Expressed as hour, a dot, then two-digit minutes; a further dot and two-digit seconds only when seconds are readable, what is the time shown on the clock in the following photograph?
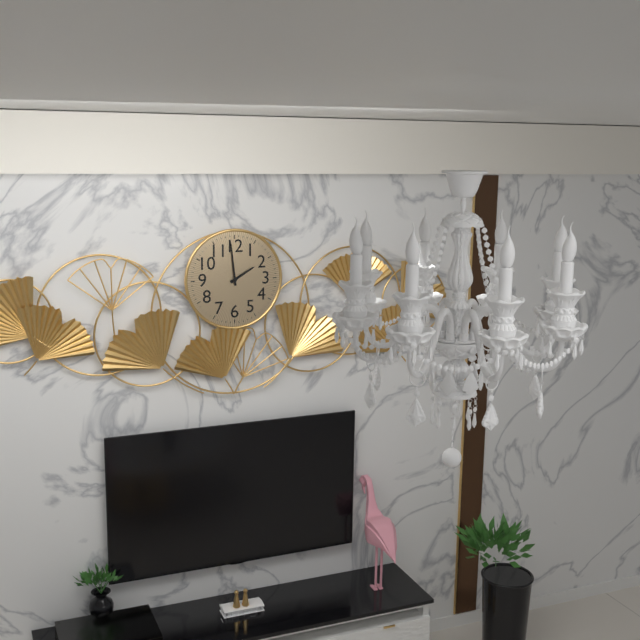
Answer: 1.59
